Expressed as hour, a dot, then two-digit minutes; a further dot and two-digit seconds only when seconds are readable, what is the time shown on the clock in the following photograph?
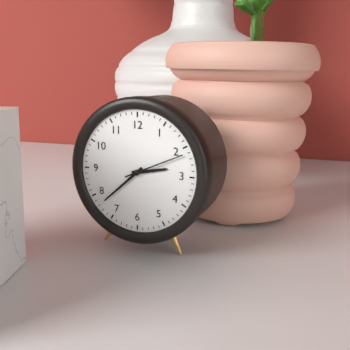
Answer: 2.38.11
